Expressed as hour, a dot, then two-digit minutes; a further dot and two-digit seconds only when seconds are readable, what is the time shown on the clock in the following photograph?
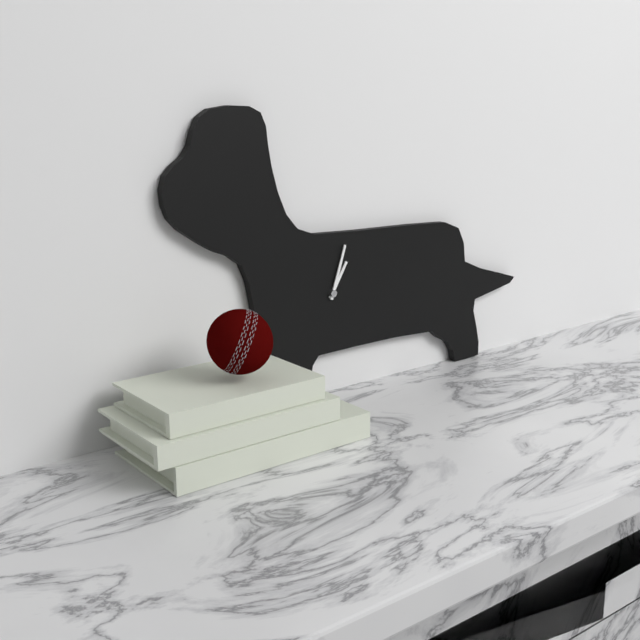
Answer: 1.03
